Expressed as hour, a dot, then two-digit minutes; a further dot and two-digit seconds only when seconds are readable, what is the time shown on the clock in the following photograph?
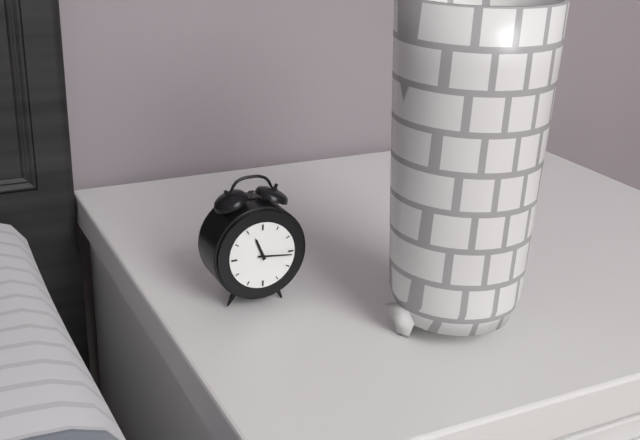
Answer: 11.16
